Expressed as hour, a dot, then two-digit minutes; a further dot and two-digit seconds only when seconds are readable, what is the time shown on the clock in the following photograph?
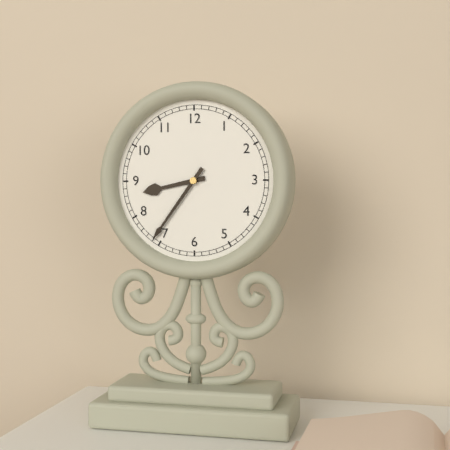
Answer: 8.36
